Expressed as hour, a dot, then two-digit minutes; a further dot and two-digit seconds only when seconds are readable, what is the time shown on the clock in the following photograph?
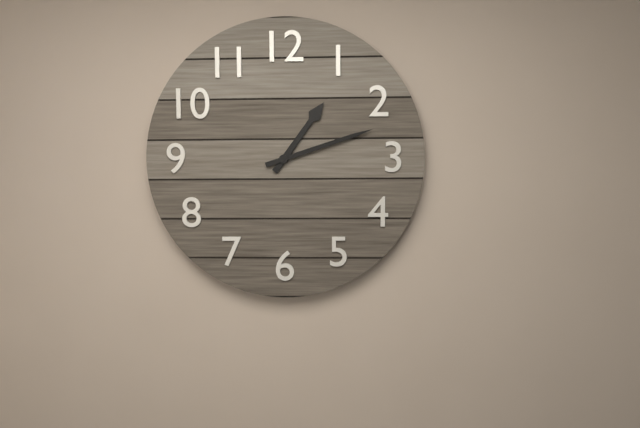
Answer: 1.12
